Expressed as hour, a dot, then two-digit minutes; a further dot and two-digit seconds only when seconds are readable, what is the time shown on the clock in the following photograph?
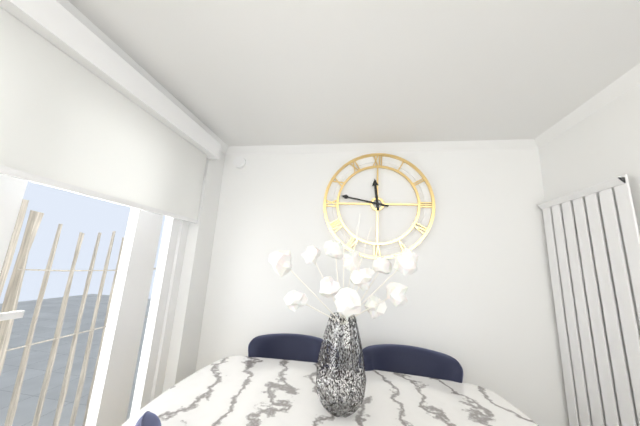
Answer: 11.47
